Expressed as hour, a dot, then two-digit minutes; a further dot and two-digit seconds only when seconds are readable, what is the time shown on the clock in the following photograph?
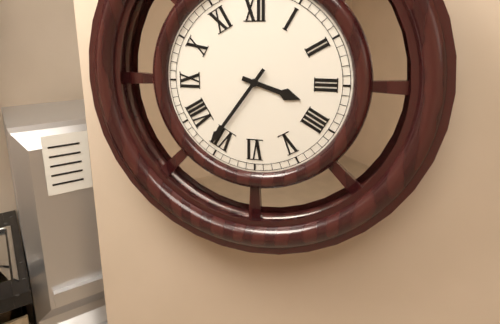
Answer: 3.36
